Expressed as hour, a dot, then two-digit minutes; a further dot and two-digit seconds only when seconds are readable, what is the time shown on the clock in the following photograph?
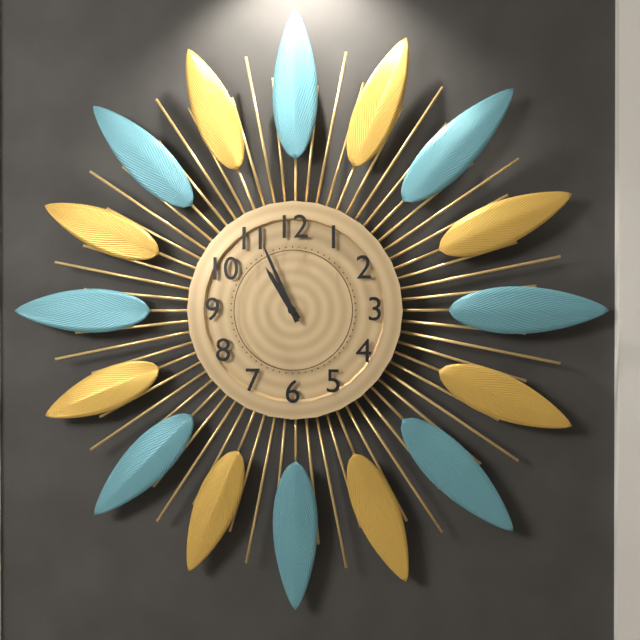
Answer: 10.56
